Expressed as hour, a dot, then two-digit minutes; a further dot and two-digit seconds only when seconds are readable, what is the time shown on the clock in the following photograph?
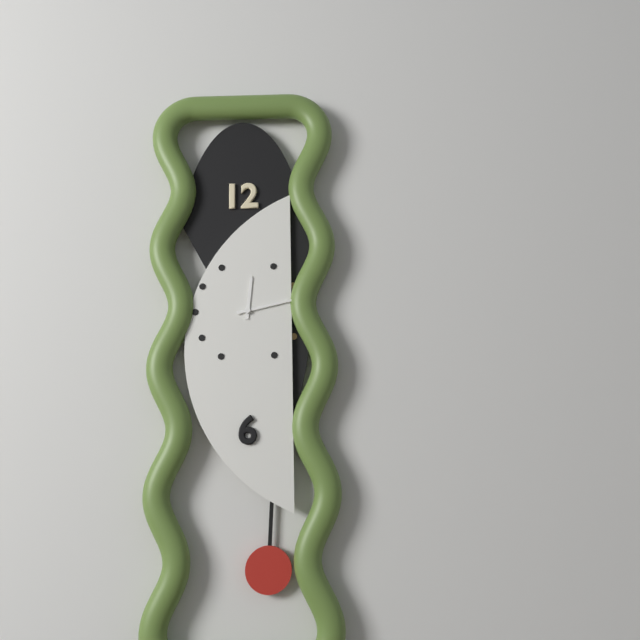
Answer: 12.13
